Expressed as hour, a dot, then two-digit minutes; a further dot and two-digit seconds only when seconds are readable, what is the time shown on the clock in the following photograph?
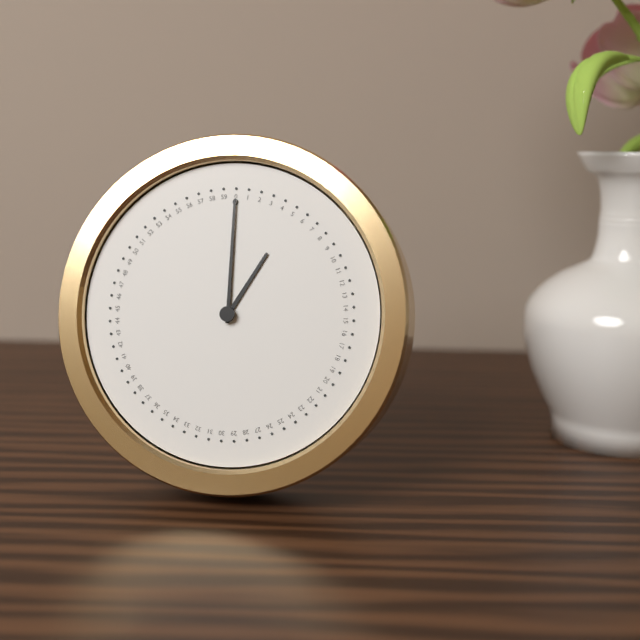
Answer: 1.00
